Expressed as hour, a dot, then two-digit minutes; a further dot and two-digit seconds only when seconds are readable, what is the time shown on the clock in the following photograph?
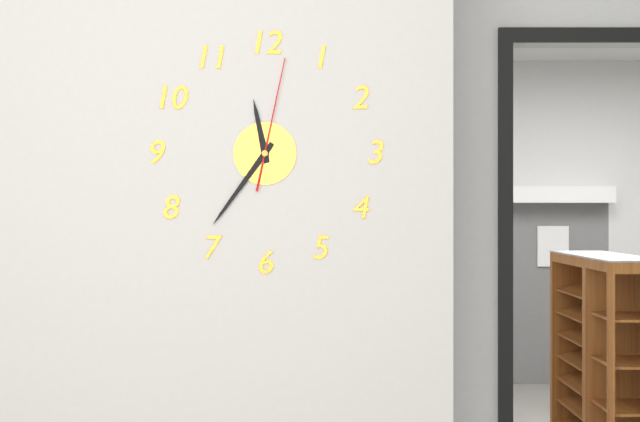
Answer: 11.36.02
